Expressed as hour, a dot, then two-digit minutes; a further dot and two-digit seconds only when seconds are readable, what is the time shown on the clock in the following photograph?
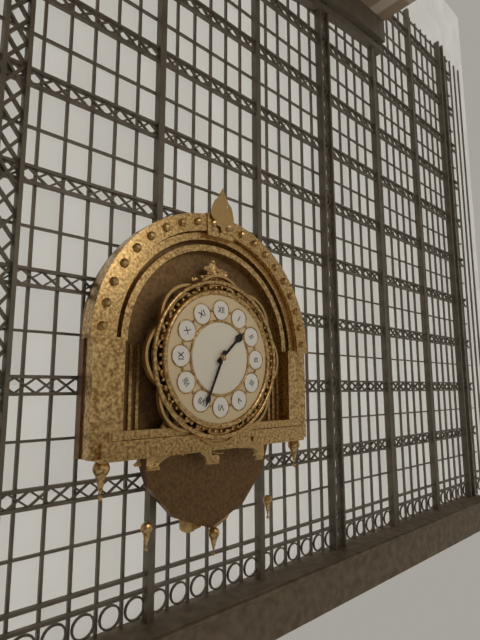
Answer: 1.34
